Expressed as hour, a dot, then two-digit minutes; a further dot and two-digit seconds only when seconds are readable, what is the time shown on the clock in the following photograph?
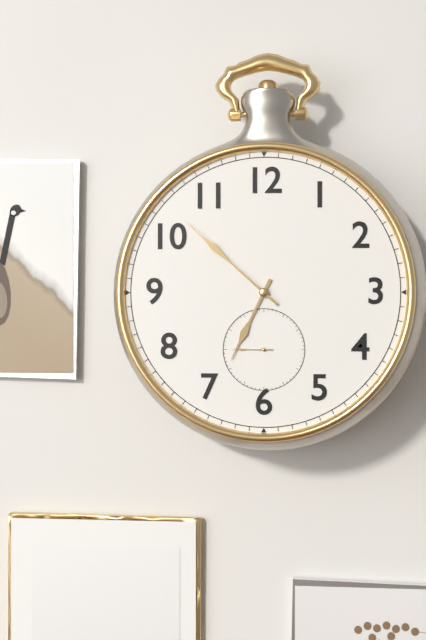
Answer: 6.52
